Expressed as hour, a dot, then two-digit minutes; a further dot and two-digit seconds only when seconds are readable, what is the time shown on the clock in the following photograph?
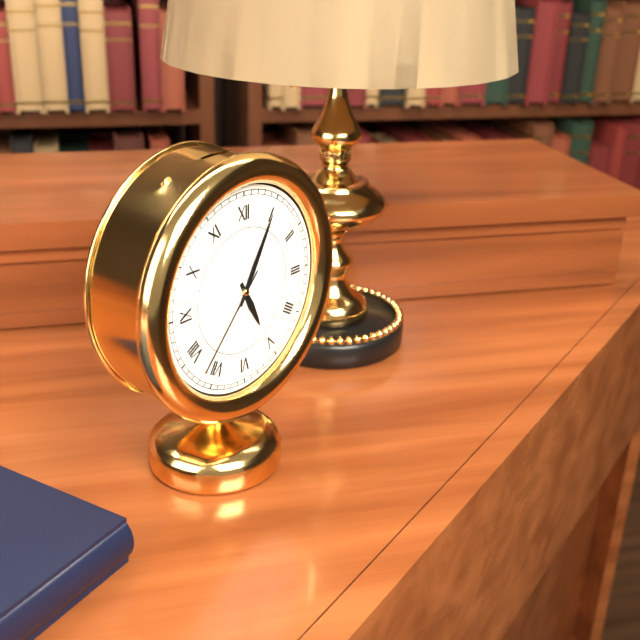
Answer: 5.05.37
